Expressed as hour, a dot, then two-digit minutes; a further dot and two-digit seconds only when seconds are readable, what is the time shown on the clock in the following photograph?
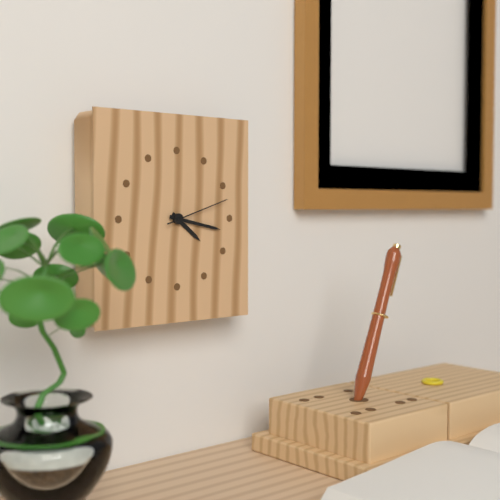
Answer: 4.17.12
